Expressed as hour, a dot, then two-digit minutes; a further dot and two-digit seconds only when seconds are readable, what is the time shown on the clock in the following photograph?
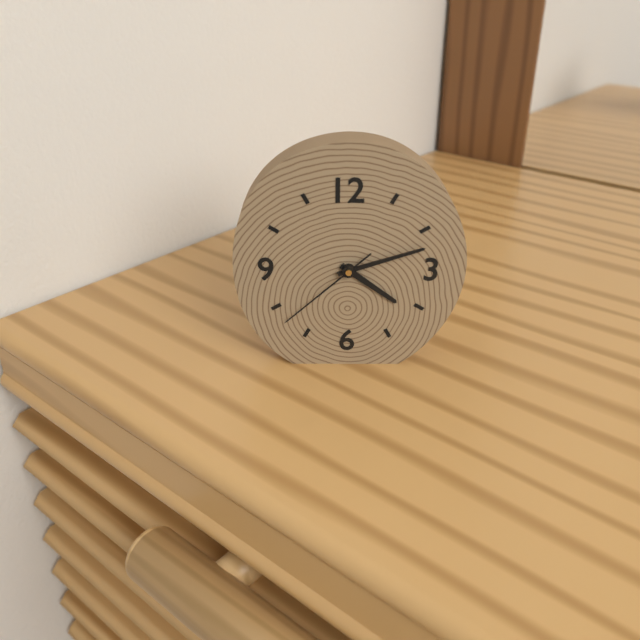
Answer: 4.12.38
